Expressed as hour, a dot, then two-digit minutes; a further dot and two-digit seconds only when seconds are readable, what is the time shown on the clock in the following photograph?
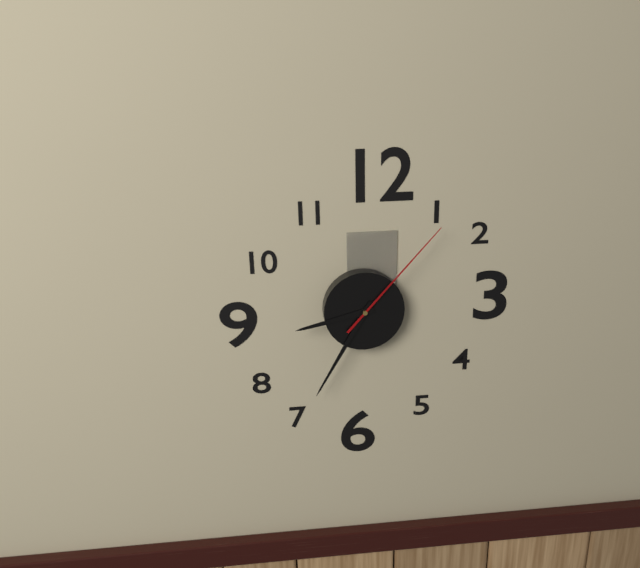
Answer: 8.35.07
